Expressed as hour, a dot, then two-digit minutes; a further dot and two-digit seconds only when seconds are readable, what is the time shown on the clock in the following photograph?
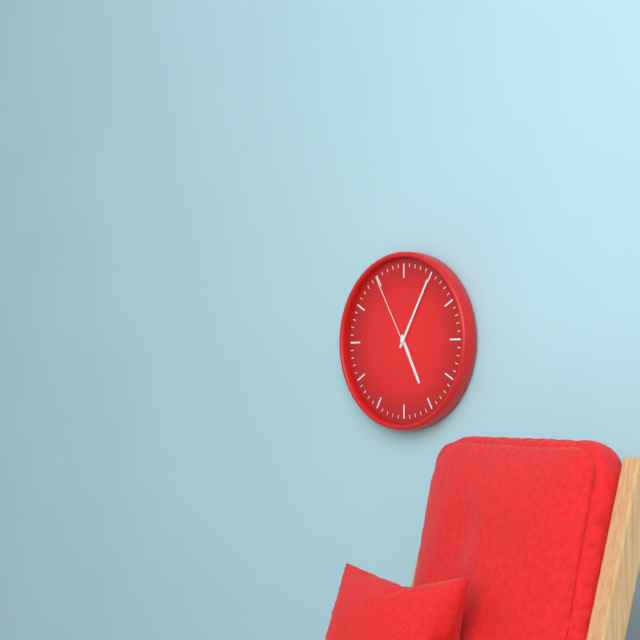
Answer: 5.05.55
